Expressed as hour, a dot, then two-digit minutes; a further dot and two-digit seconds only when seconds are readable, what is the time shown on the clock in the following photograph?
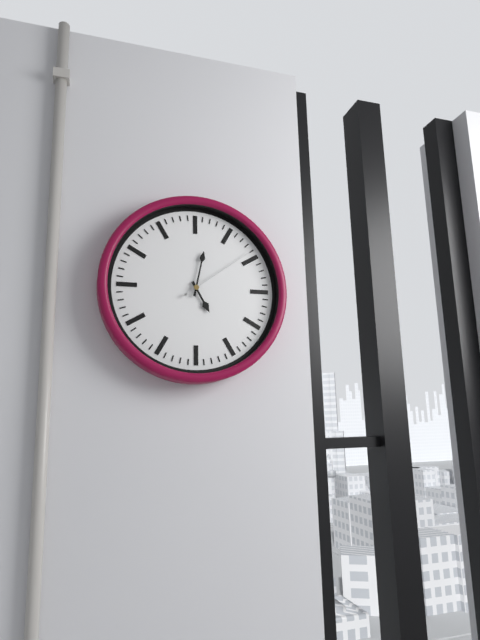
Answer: 5.02.09
